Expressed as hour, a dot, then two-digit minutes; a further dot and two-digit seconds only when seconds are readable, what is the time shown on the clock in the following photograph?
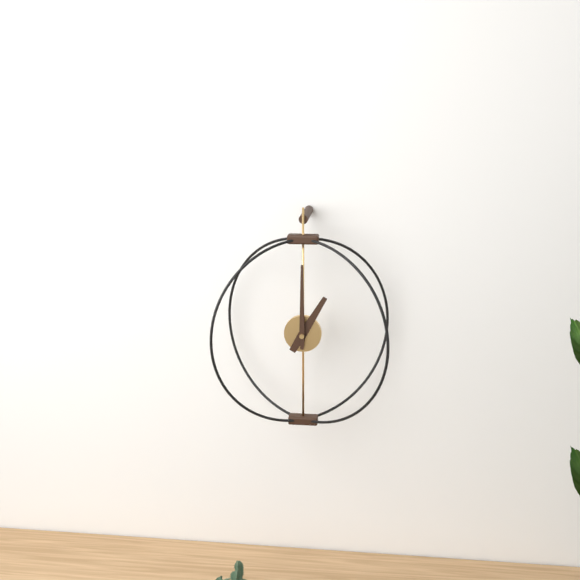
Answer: 1.00
